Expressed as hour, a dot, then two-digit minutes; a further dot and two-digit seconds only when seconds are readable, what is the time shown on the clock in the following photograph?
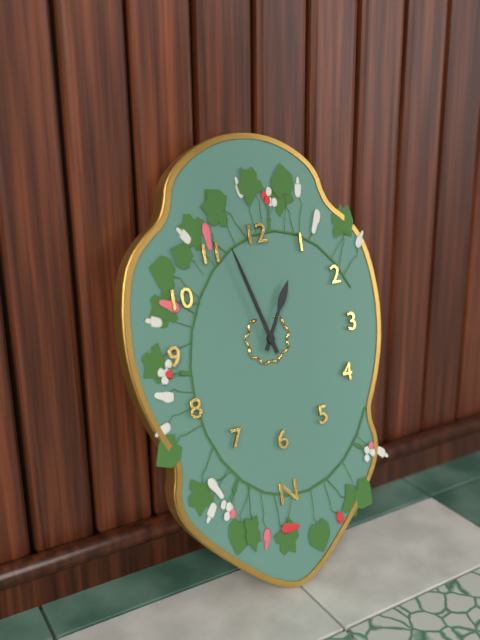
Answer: 12.57
